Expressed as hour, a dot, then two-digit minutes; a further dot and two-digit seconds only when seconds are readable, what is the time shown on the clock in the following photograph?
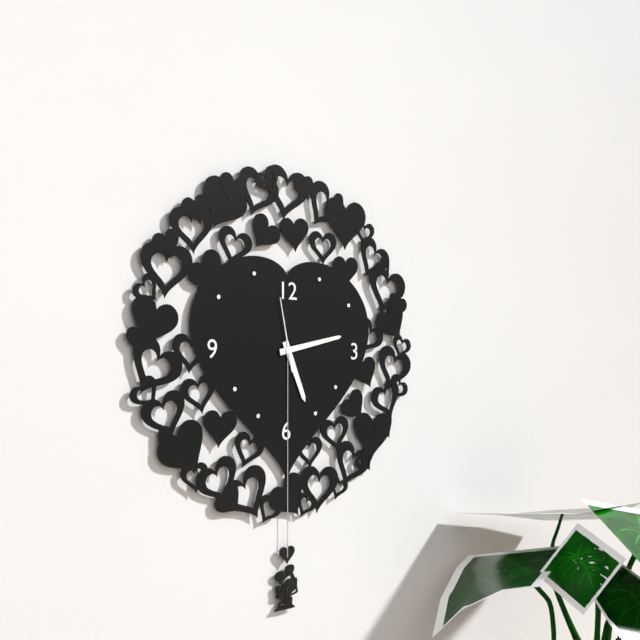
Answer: 5.13.58
